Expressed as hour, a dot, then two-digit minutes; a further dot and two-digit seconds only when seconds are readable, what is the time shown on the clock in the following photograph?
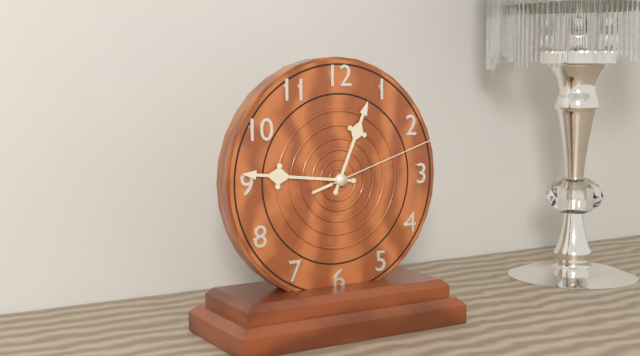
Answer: 12.46.12
